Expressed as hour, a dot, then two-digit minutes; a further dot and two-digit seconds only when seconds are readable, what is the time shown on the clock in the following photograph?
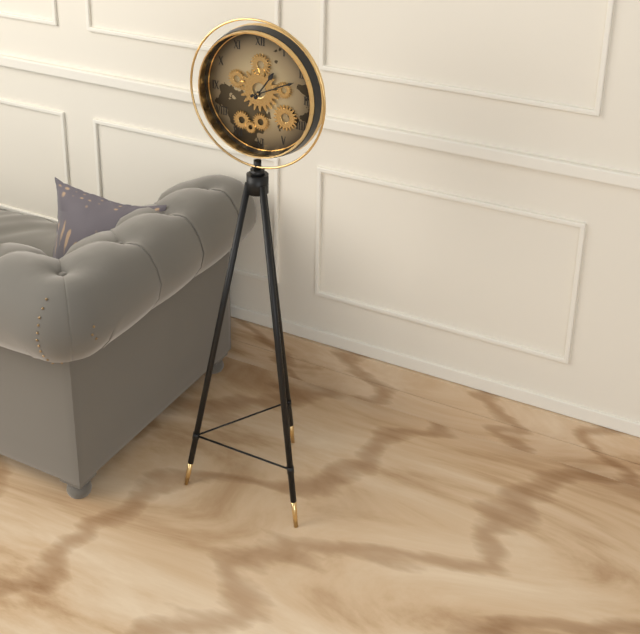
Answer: 1.11
